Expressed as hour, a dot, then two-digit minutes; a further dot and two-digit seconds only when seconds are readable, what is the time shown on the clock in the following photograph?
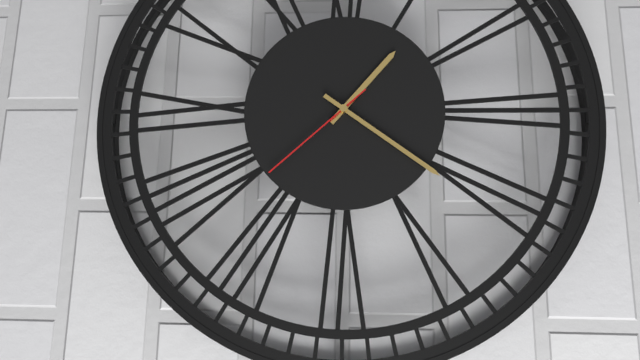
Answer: 1.21.38
